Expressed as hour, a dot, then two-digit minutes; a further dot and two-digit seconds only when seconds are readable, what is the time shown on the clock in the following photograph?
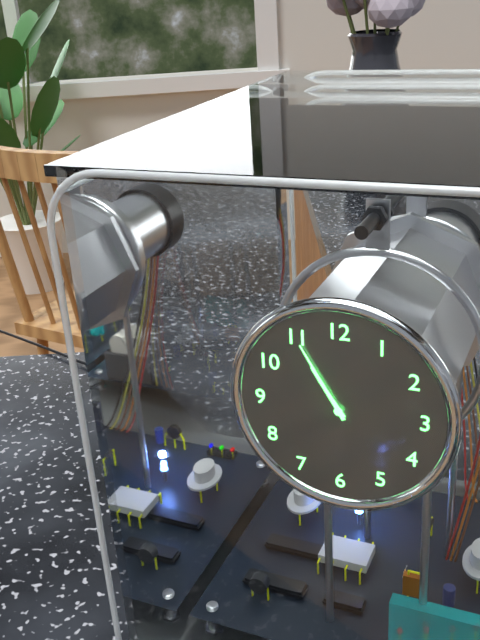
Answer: 10.55
